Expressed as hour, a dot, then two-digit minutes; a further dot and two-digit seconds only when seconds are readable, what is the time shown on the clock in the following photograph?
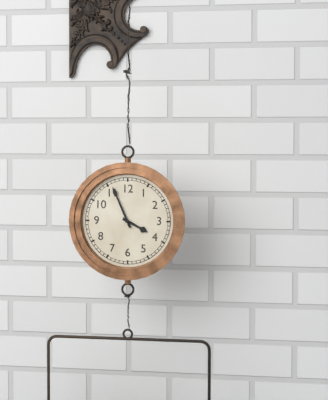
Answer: 3.56
